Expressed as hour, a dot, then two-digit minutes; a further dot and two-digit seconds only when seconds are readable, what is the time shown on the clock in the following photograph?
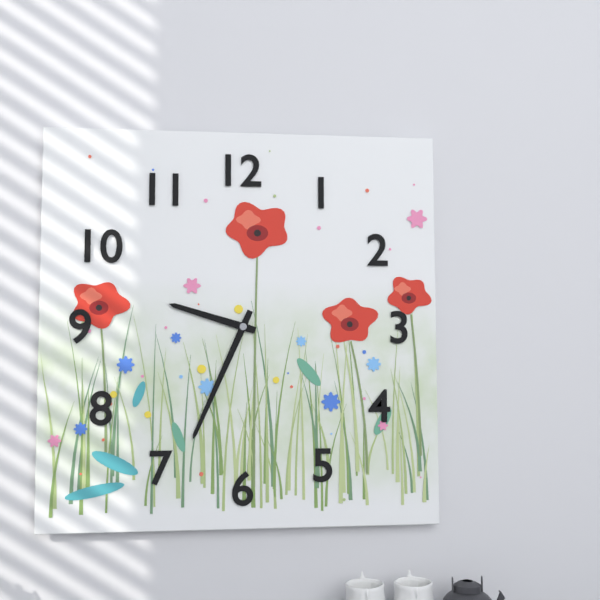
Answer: 9.34
